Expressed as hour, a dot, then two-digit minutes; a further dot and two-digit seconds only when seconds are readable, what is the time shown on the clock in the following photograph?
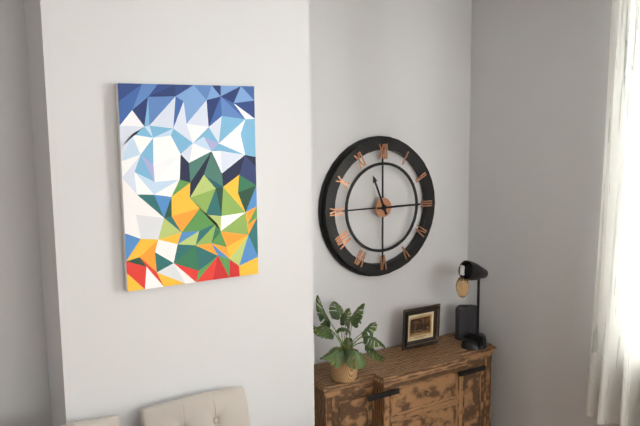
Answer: 11.15
